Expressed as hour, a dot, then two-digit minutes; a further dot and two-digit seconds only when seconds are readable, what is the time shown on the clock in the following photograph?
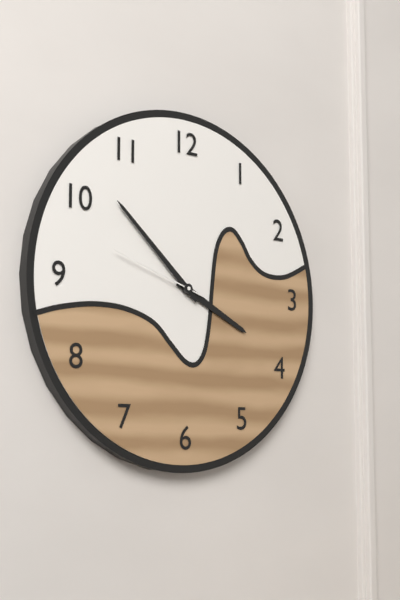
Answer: 3.52.48
